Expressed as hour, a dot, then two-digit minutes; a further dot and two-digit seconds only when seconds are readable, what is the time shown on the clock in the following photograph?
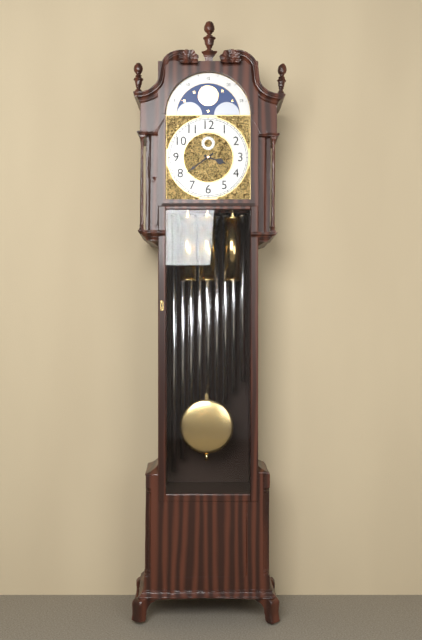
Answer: 3.39
